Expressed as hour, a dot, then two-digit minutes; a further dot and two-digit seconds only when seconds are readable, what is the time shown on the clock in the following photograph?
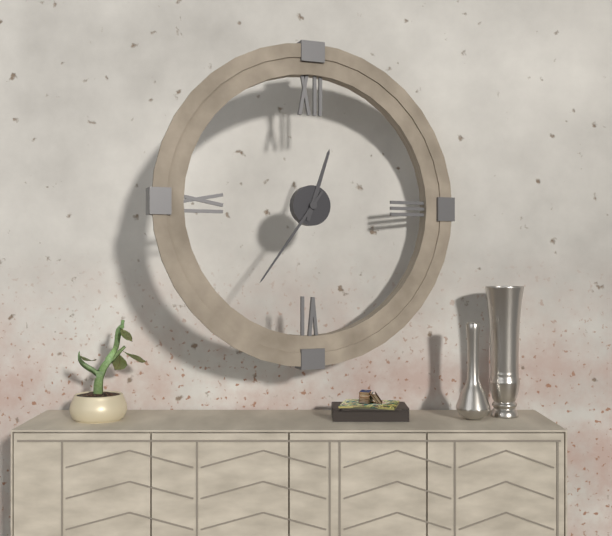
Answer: 12.36
